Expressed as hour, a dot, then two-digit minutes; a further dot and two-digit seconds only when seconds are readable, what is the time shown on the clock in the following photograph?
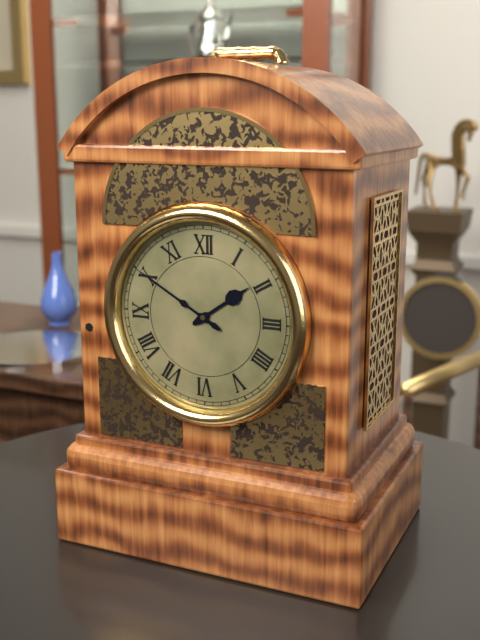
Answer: 1.50
